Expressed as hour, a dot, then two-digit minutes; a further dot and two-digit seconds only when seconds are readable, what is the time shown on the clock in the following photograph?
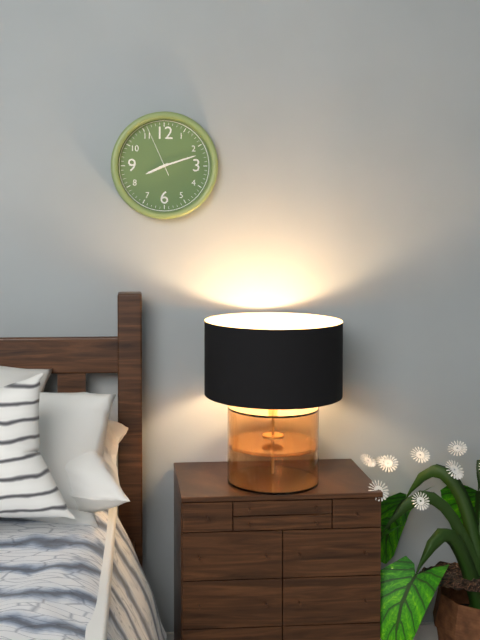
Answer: 8.12.56
